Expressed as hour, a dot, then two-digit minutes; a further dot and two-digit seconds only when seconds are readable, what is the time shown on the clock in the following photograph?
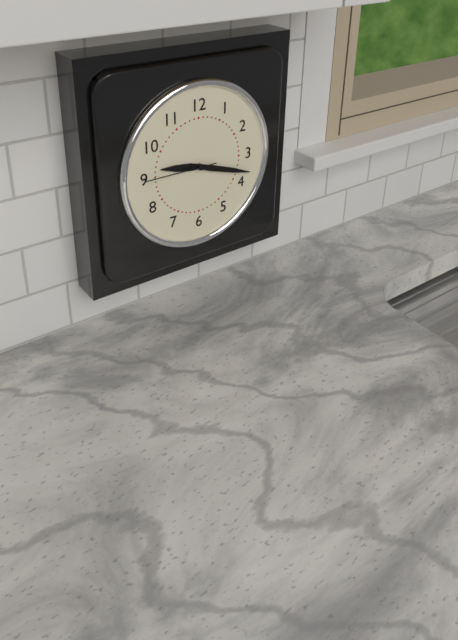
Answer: 9.18.45
